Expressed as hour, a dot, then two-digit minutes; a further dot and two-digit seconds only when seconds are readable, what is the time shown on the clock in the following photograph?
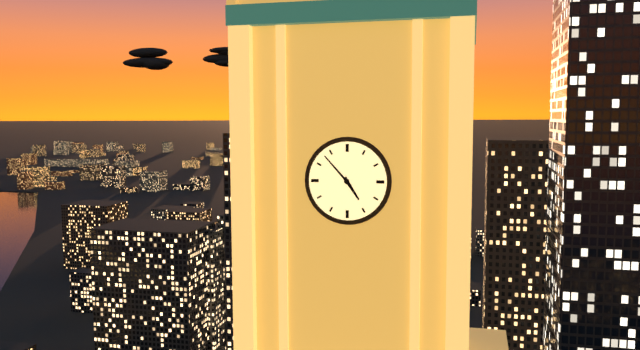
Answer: 4.53
